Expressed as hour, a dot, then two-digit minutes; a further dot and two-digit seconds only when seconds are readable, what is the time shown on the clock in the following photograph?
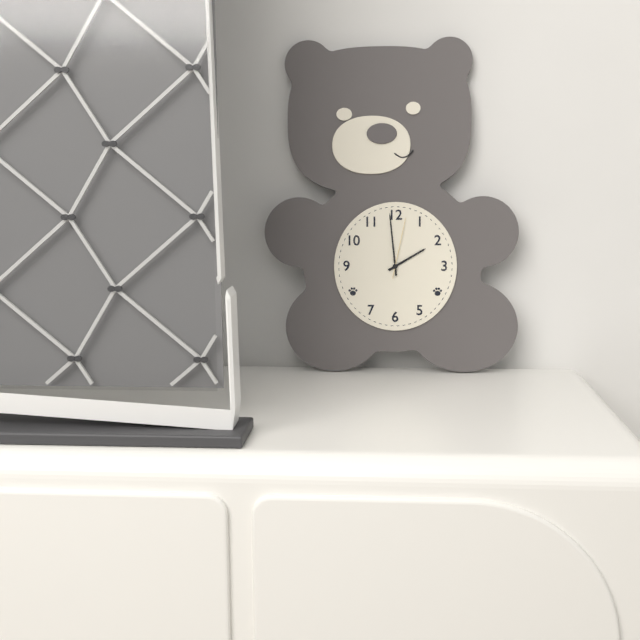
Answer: 1.59.02
